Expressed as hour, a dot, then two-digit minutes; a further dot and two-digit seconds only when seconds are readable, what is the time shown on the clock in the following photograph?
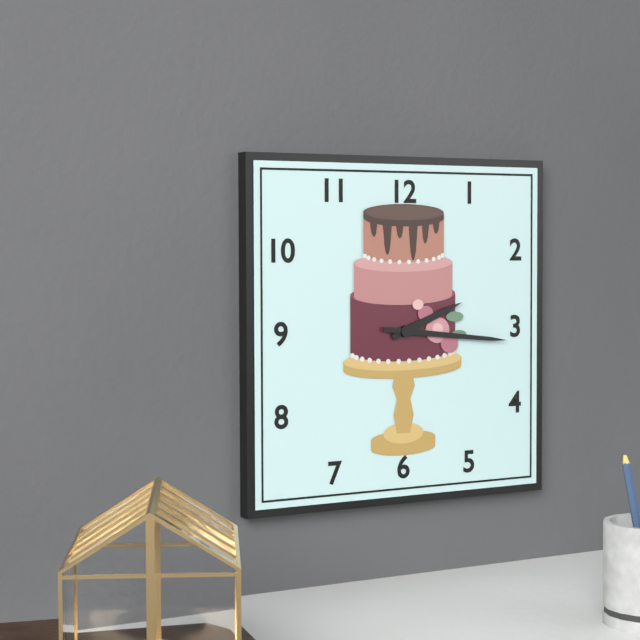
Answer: 2.16
